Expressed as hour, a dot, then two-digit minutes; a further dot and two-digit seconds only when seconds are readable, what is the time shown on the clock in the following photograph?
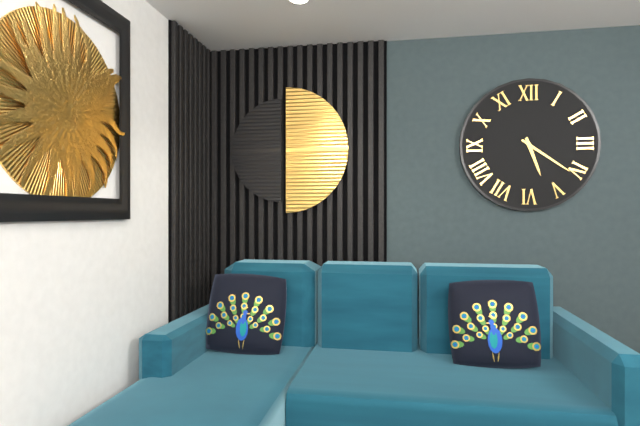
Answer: 5.21
